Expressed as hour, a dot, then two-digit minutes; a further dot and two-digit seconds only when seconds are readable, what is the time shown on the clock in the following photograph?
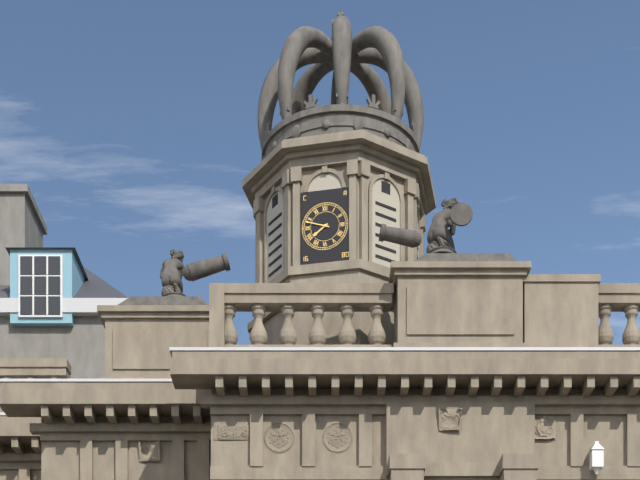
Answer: 7.48
